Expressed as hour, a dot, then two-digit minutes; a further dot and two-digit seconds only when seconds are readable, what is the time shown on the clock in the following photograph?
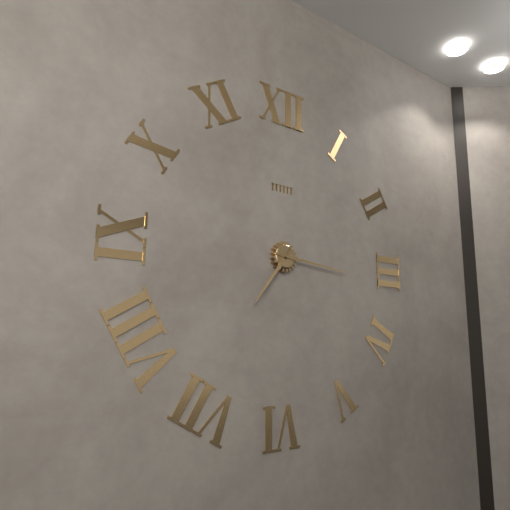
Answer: 7.16
